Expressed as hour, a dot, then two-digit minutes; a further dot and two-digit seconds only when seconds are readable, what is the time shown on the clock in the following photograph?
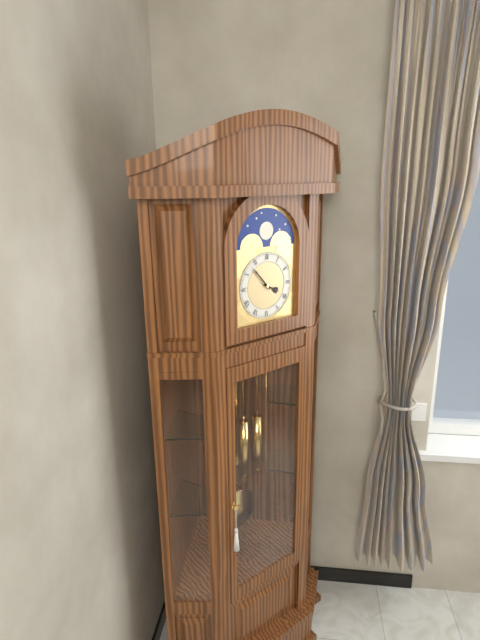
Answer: 3.53
